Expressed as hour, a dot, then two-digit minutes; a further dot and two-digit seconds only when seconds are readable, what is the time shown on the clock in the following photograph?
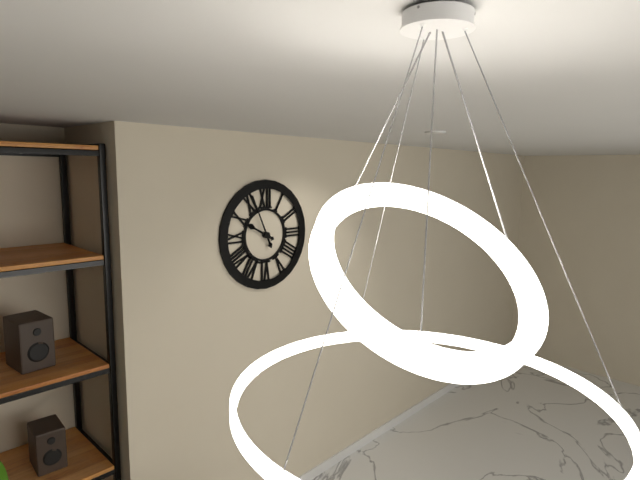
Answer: 9.56
